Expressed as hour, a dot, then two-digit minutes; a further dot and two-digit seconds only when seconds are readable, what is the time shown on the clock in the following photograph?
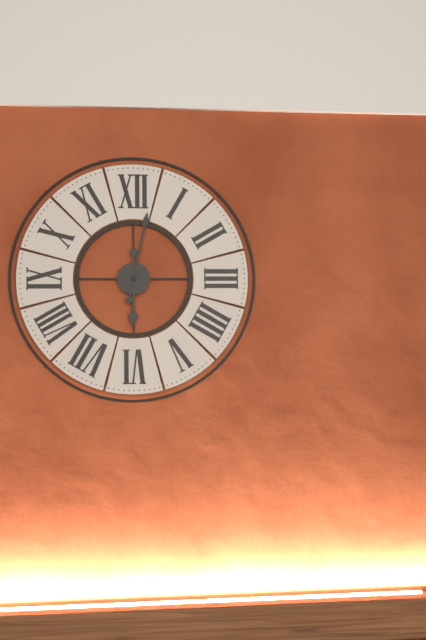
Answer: 6.02
